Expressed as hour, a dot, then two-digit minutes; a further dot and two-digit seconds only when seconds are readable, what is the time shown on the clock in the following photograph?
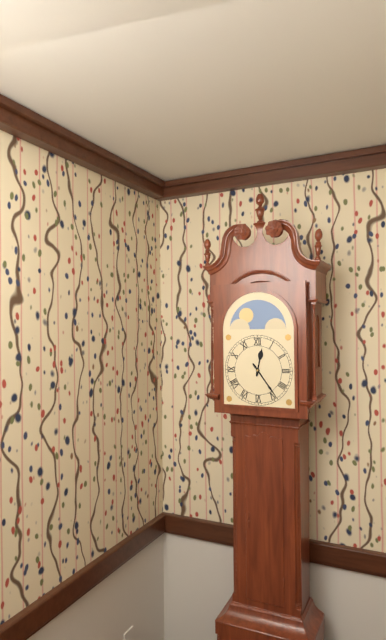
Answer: 12.24
